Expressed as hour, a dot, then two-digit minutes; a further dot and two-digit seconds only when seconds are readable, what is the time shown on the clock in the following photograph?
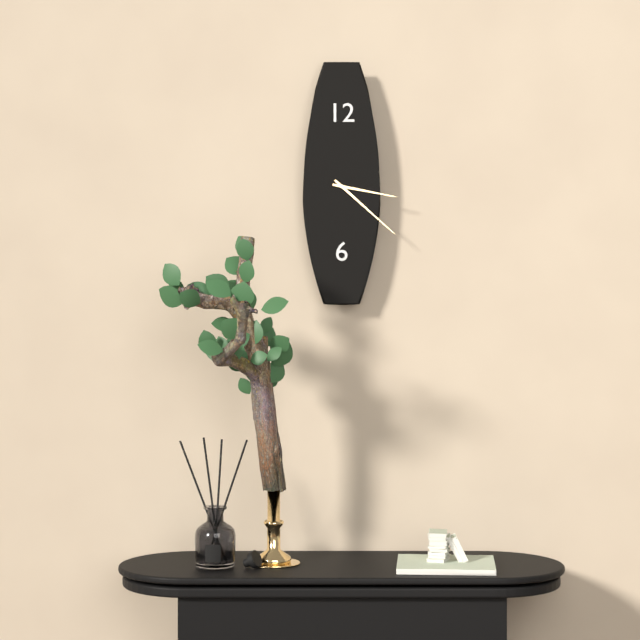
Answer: 3.22
